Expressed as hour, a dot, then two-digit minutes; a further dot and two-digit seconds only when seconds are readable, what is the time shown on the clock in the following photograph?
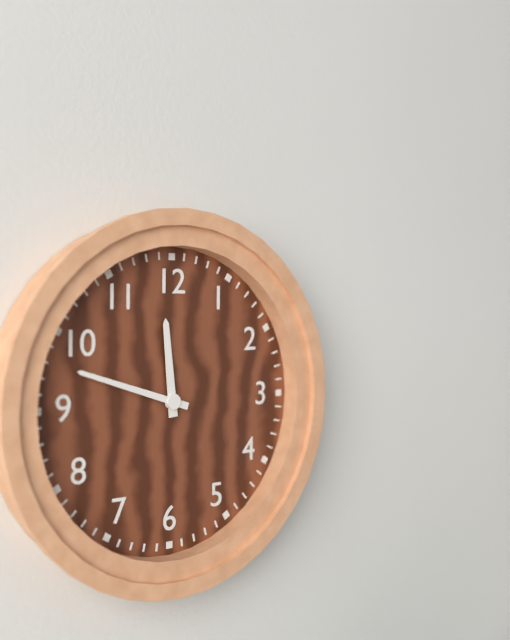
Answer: 11.48
